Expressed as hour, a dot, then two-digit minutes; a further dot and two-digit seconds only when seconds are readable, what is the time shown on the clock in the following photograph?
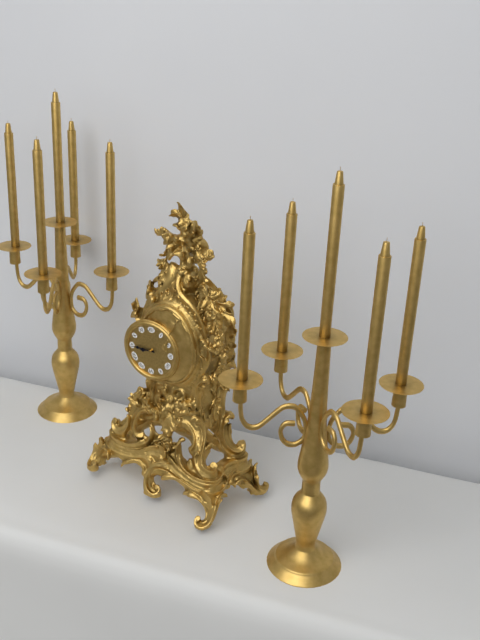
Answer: 8.45
